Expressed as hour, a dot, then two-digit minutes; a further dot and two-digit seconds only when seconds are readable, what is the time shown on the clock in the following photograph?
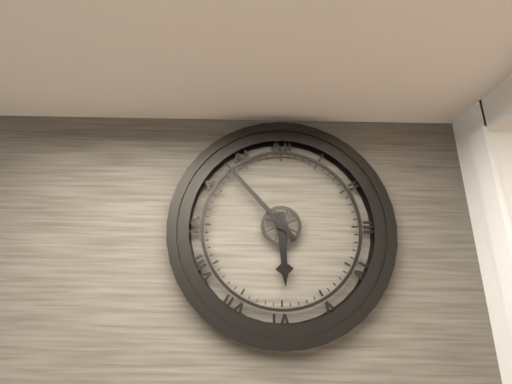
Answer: 5.53
